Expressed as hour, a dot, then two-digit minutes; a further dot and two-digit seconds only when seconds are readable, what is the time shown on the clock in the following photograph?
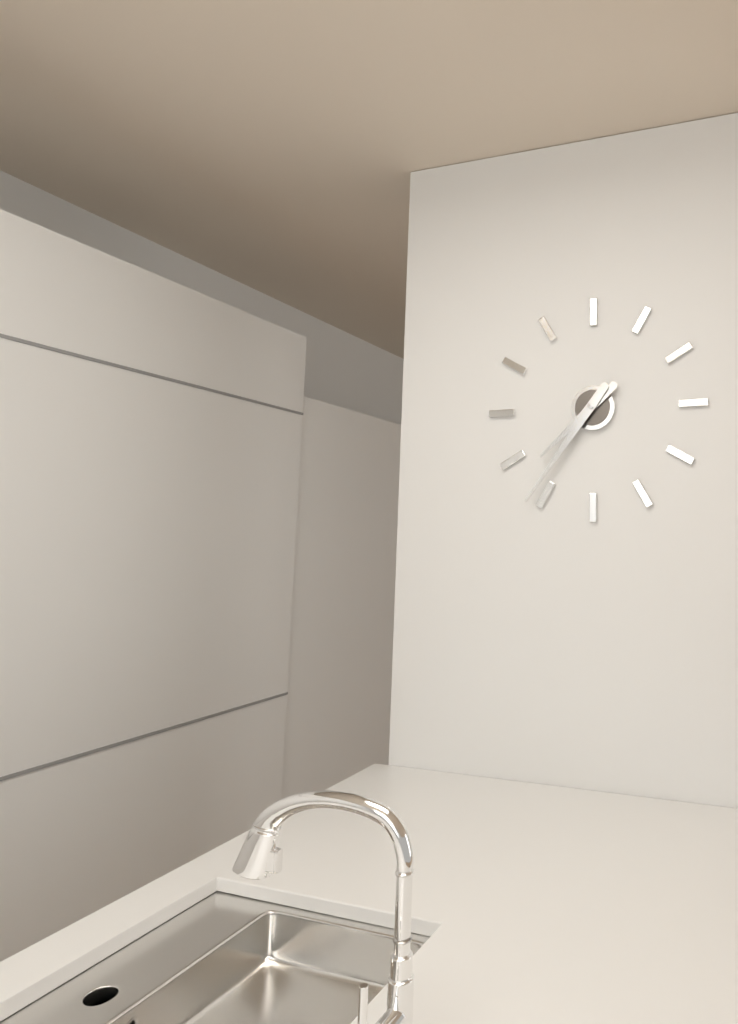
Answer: 7.36
